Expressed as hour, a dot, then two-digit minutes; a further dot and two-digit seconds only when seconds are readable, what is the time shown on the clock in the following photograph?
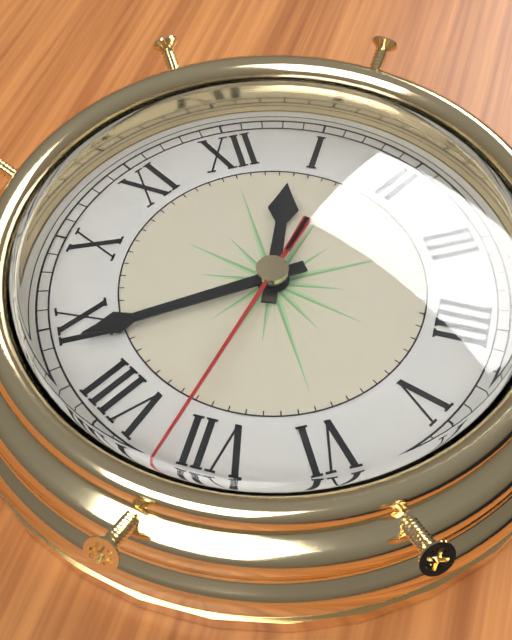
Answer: 12.44.37
